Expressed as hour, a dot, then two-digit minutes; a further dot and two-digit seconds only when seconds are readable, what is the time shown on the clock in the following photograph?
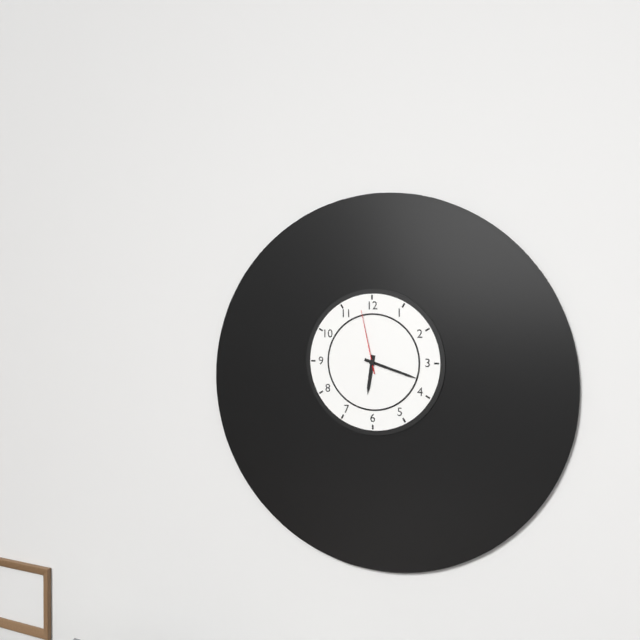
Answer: 6.18.58
